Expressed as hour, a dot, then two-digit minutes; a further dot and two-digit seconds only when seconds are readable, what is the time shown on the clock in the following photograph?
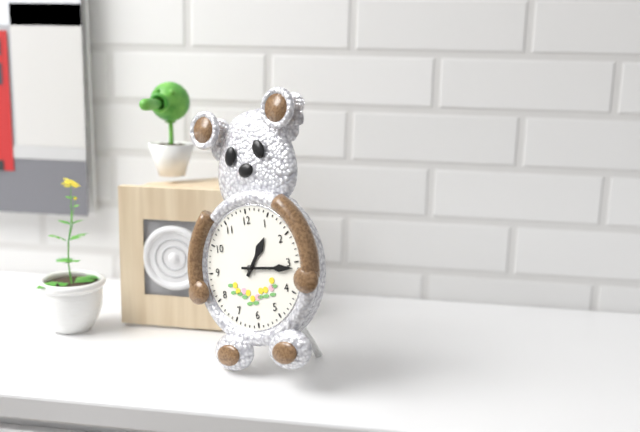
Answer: 1.16
